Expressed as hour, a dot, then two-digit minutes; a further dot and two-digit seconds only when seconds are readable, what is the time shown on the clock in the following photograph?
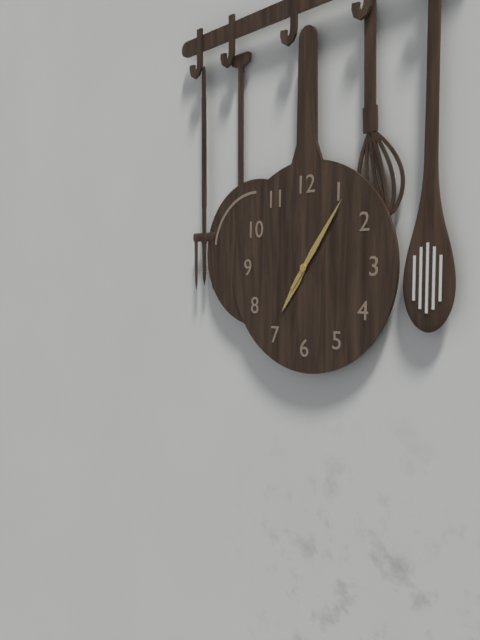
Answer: 7.06
